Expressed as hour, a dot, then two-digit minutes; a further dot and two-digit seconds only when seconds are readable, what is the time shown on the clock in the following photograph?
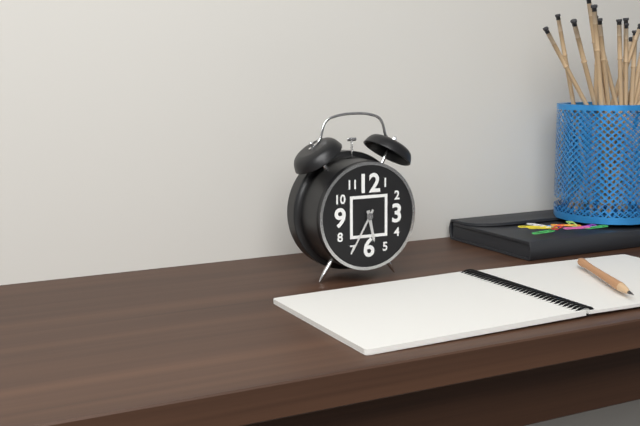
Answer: 5.35
